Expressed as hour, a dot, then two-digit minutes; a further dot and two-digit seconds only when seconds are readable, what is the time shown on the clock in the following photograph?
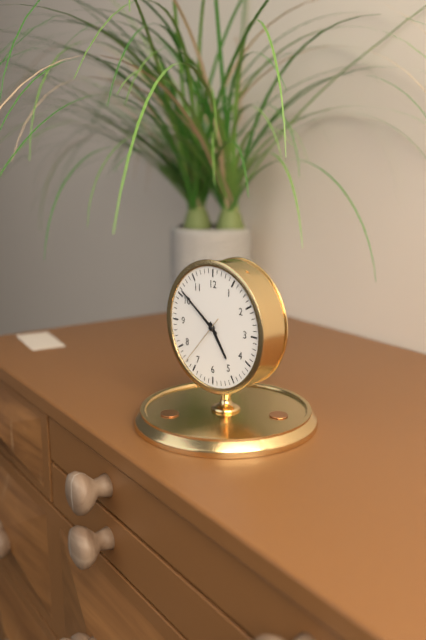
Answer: 4.51.37
